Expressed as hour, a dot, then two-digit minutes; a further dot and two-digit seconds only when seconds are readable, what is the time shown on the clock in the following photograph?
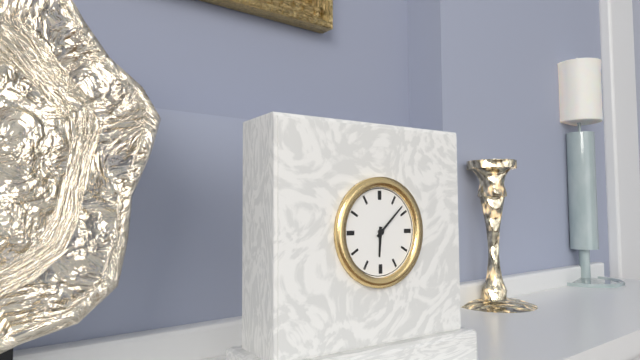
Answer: 6.08
